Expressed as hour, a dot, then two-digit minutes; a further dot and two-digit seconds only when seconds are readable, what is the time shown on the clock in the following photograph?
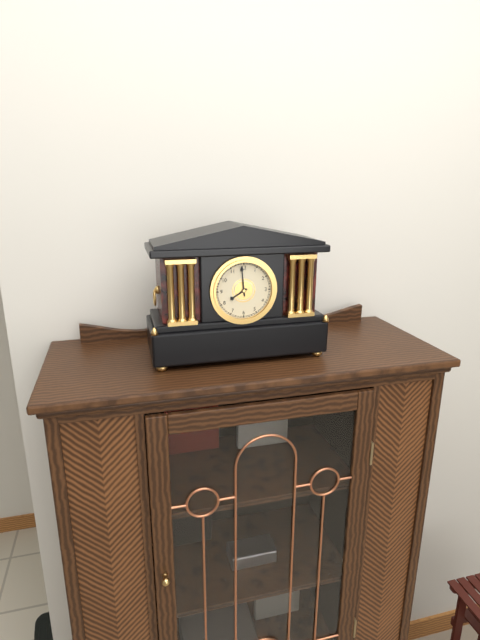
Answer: 7.59
